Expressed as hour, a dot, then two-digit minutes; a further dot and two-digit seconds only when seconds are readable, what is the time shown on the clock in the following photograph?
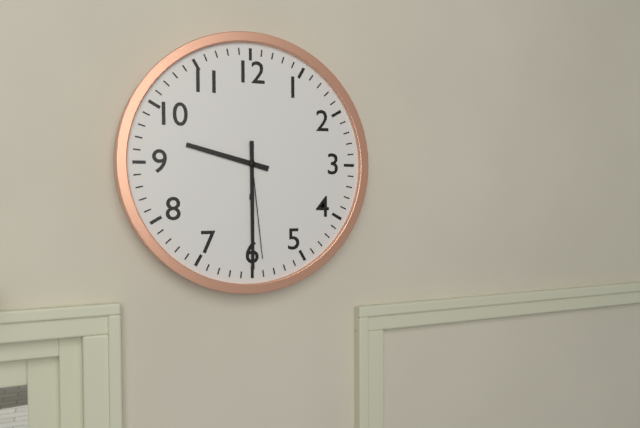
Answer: 9.30.29
